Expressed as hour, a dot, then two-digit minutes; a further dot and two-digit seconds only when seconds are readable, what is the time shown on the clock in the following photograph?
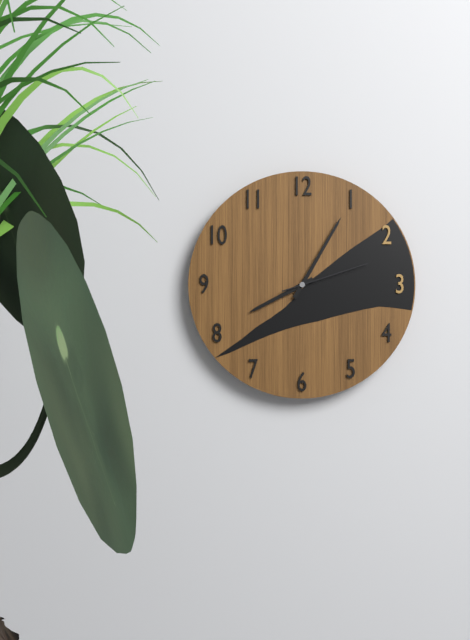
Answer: 8.05.12
